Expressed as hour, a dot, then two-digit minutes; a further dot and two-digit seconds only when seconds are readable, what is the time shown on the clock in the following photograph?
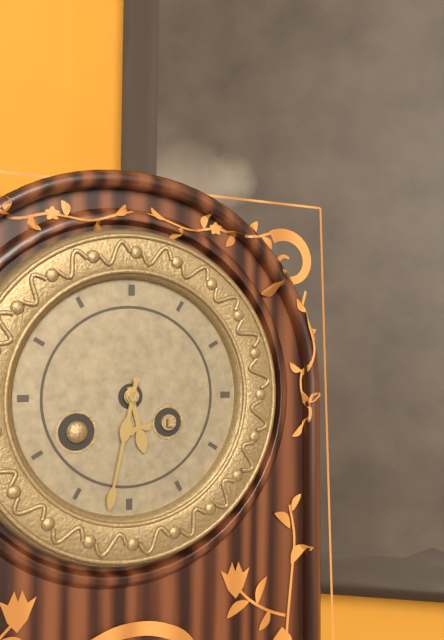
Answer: 5.32
